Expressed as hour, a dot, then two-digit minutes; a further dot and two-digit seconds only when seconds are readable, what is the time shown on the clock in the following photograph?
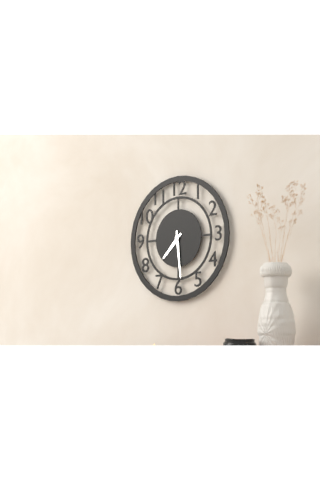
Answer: 7.29
